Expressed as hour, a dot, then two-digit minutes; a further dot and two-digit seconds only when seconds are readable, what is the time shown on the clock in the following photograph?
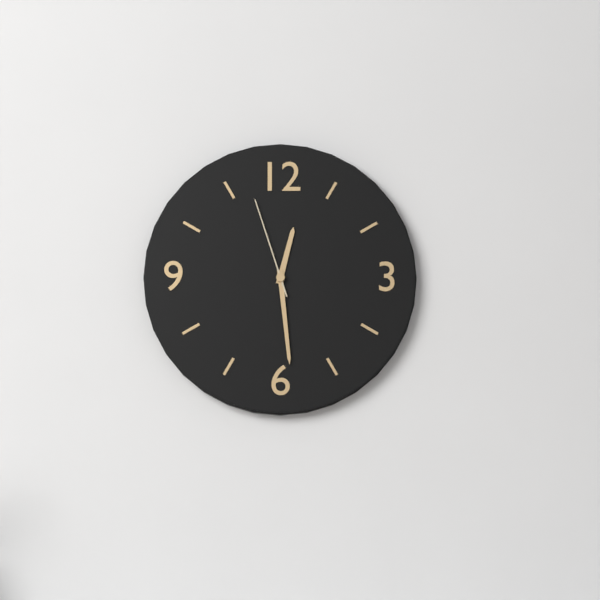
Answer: 12.29.57
